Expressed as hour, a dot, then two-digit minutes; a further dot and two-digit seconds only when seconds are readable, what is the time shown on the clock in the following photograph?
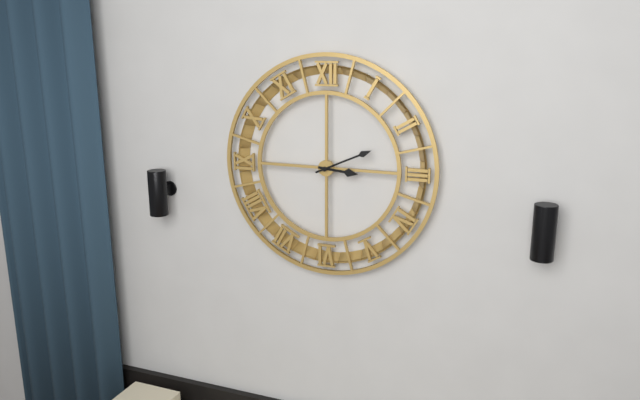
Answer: 3.11
